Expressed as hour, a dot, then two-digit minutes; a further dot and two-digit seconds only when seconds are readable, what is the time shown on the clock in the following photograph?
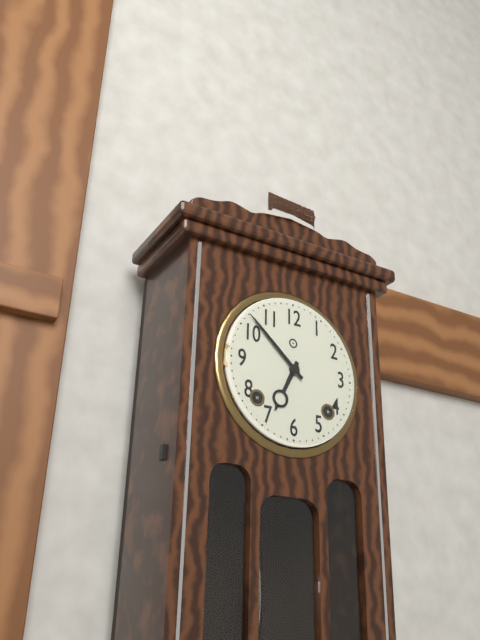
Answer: 6.52
